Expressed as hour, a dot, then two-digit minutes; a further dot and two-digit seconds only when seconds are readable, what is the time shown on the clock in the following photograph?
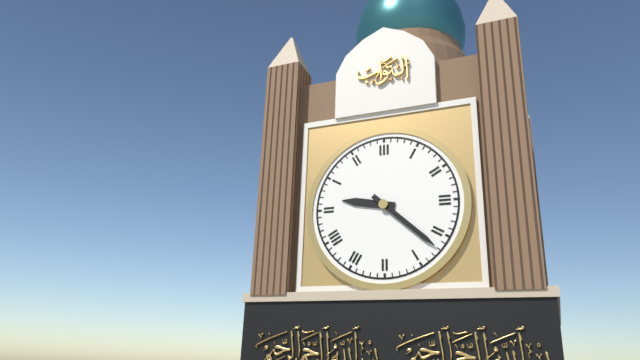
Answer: 9.22
